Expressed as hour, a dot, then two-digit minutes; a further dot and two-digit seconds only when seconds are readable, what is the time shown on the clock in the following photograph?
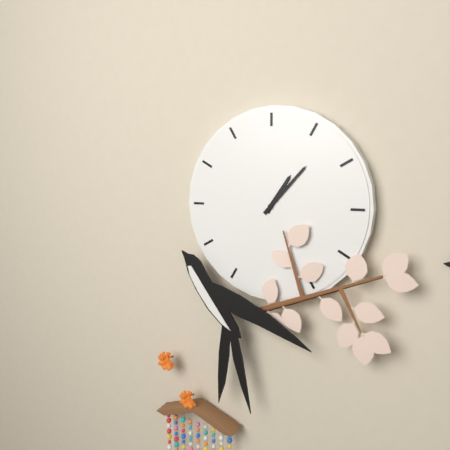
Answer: 1.07
